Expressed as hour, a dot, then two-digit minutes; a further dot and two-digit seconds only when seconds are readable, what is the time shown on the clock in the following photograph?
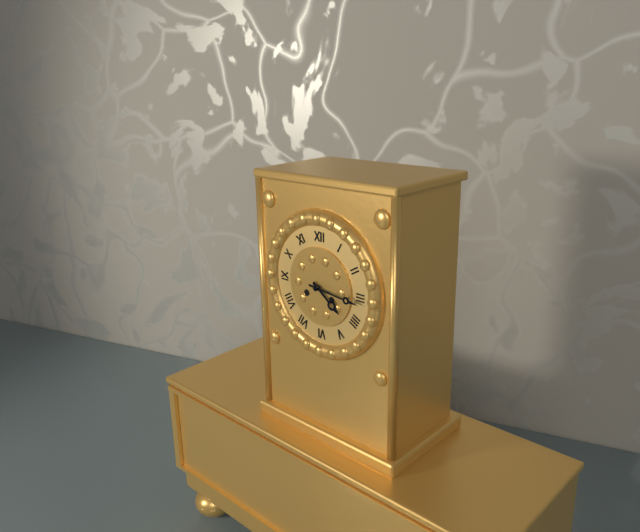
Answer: 4.16
